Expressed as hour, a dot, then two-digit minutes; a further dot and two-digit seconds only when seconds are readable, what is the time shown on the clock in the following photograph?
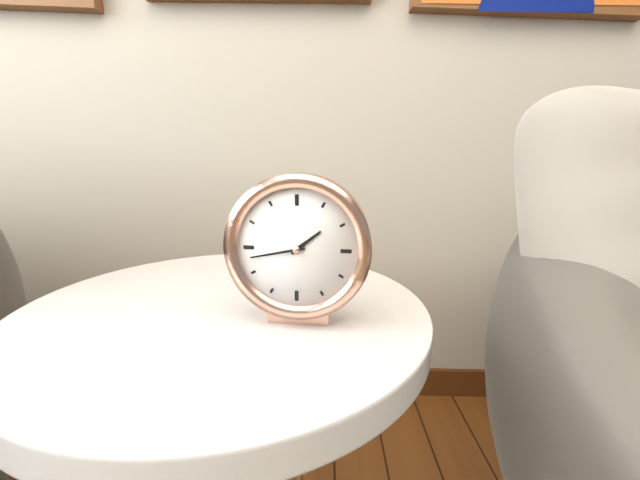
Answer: 1.43
